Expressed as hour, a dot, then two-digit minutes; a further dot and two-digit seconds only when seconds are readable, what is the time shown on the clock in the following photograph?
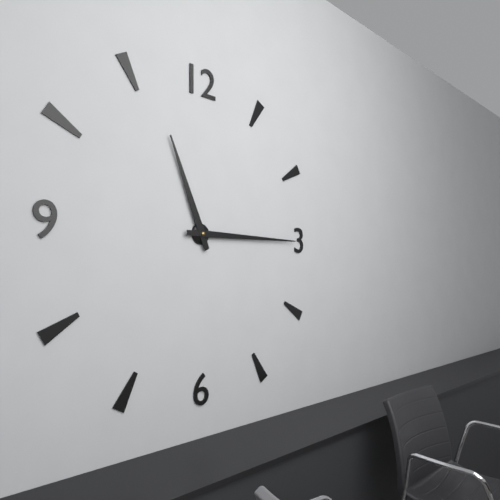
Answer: 11.15
